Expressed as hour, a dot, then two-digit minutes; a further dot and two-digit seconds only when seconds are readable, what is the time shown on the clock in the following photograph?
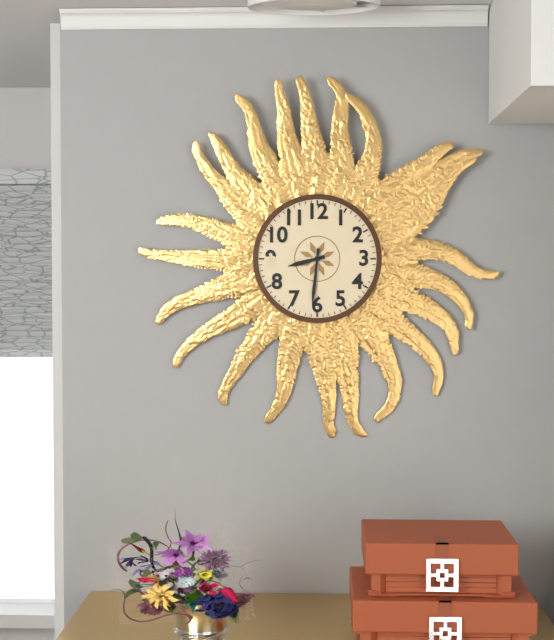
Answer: 8.31
